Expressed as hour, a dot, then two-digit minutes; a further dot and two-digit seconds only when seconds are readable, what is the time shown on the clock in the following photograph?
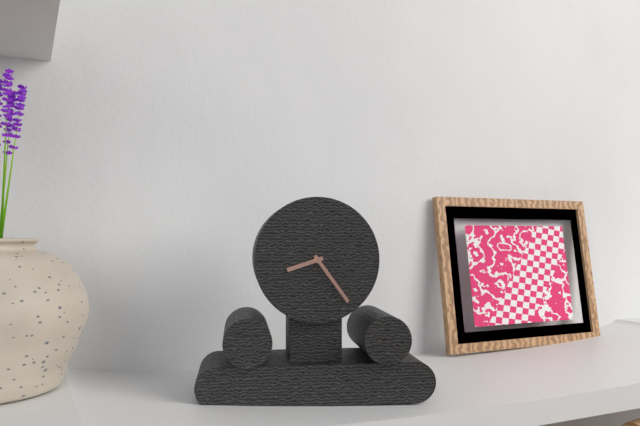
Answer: 8.24
